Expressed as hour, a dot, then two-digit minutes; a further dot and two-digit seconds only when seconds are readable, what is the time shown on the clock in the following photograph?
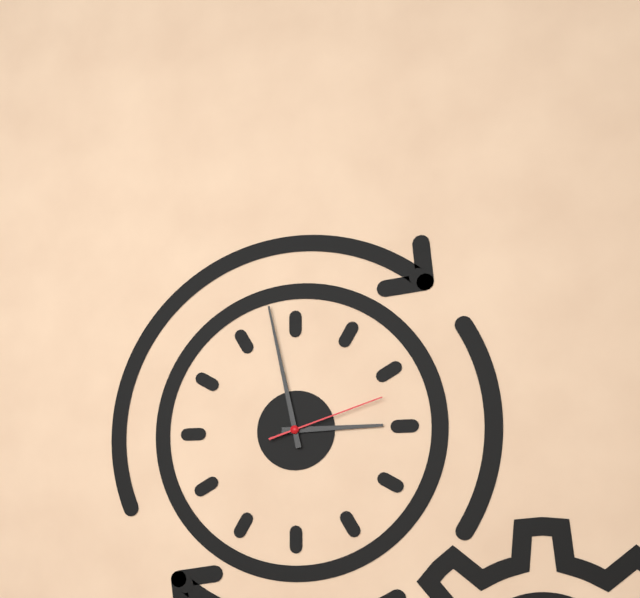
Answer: 2.58.12
